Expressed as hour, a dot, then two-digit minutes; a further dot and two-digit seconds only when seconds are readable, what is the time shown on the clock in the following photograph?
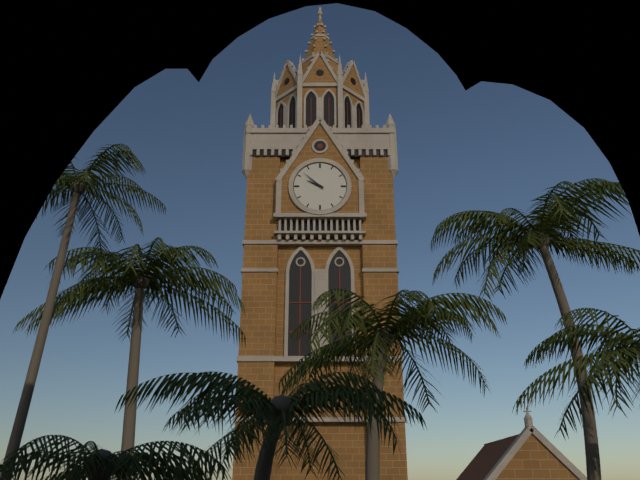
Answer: 9.52
